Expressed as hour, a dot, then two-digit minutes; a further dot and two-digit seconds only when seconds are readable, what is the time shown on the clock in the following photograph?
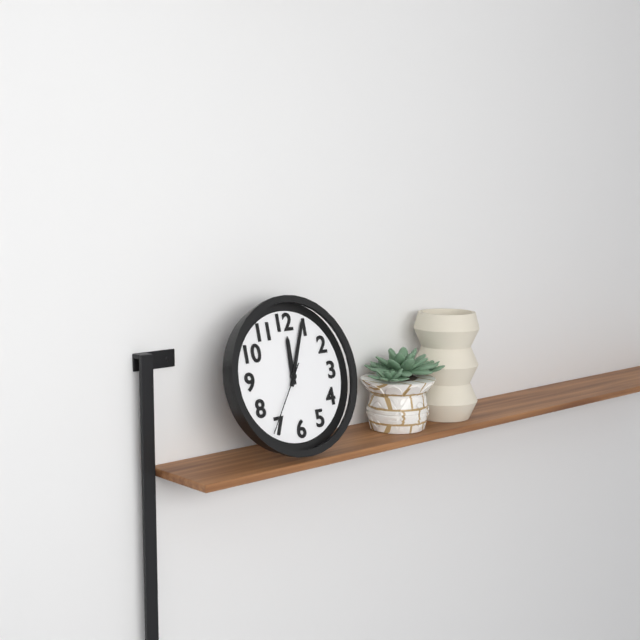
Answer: 12.04.36
